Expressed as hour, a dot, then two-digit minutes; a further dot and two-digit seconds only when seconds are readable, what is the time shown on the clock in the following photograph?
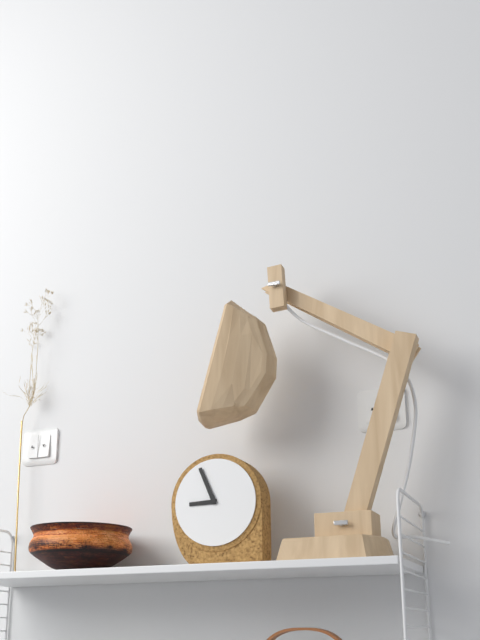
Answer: 8.56
